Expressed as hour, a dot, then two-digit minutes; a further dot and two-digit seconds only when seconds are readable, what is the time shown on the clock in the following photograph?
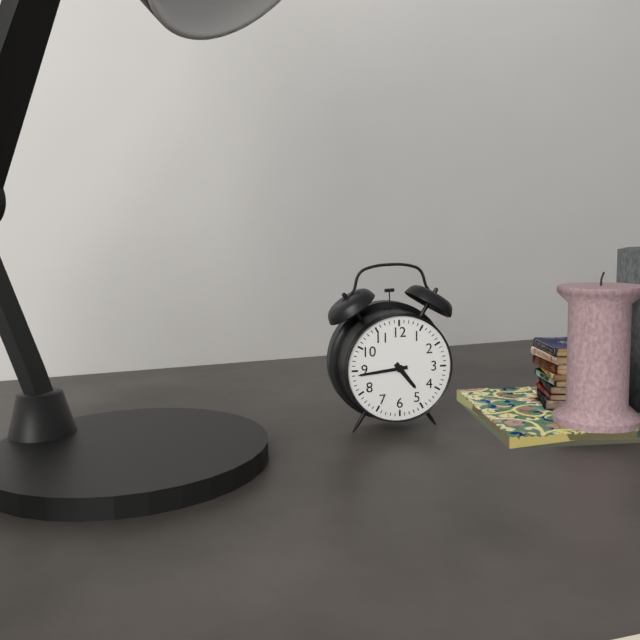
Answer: 4.44
